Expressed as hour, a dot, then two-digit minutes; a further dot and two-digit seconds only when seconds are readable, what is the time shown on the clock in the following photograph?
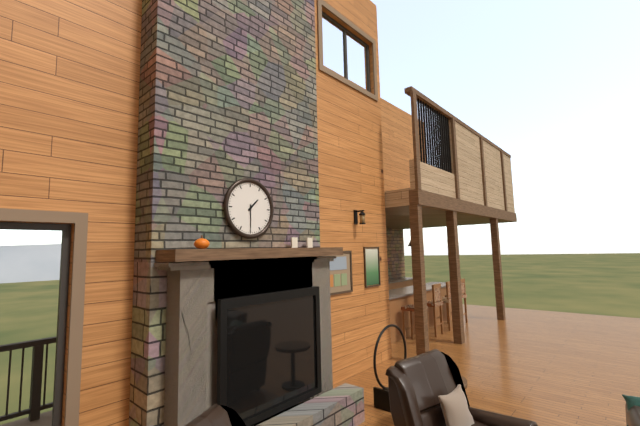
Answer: 1.30
